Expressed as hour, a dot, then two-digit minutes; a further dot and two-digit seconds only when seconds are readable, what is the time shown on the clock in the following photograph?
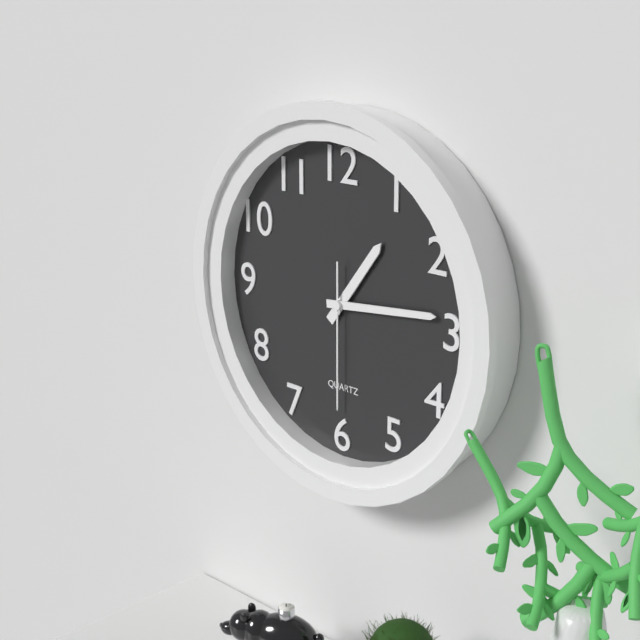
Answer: 1.14.30
